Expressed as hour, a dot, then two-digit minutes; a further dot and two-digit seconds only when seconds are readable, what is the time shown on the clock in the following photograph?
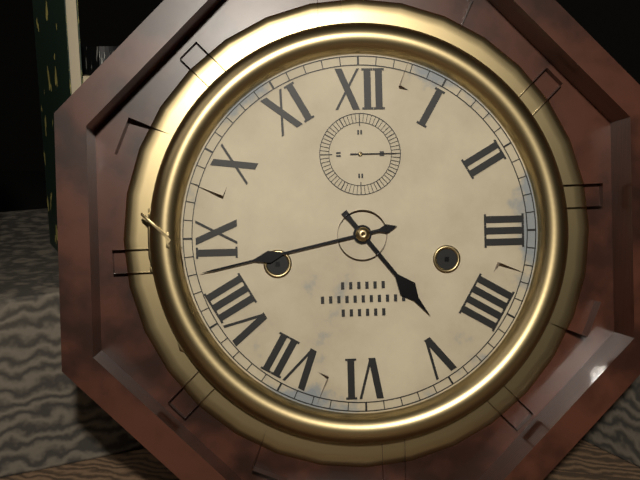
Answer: 4.43
